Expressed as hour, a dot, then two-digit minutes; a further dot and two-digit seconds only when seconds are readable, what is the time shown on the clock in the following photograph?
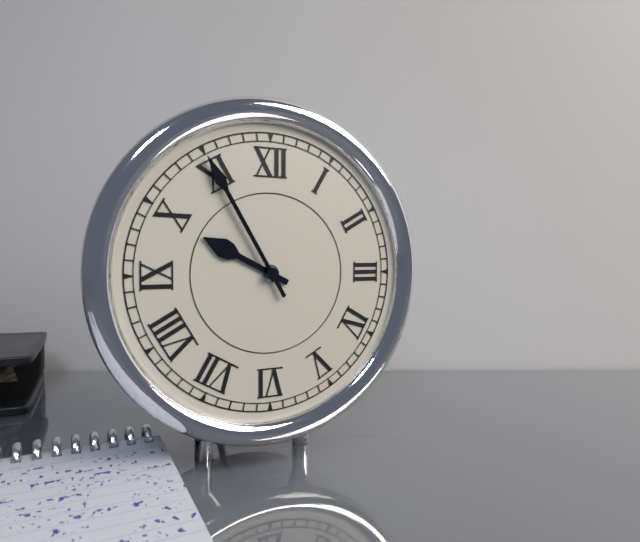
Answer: 9.55
